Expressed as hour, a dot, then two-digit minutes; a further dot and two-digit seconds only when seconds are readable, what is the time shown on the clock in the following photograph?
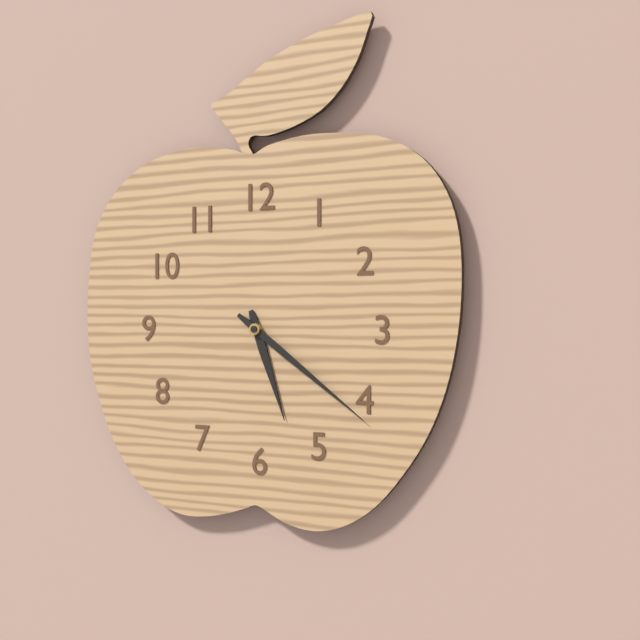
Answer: 5.21
